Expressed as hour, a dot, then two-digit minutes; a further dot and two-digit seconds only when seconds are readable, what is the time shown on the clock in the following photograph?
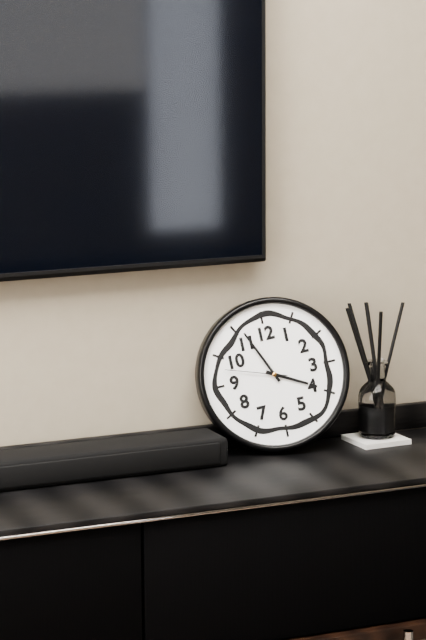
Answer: 3.56.48
